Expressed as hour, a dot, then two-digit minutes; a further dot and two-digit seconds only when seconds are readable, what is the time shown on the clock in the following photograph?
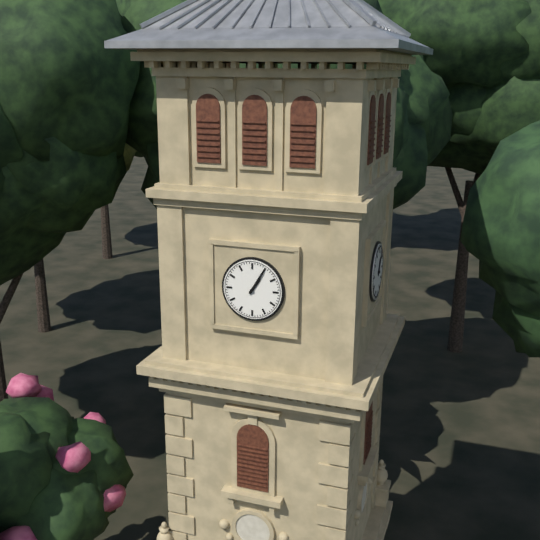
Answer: 1.05
